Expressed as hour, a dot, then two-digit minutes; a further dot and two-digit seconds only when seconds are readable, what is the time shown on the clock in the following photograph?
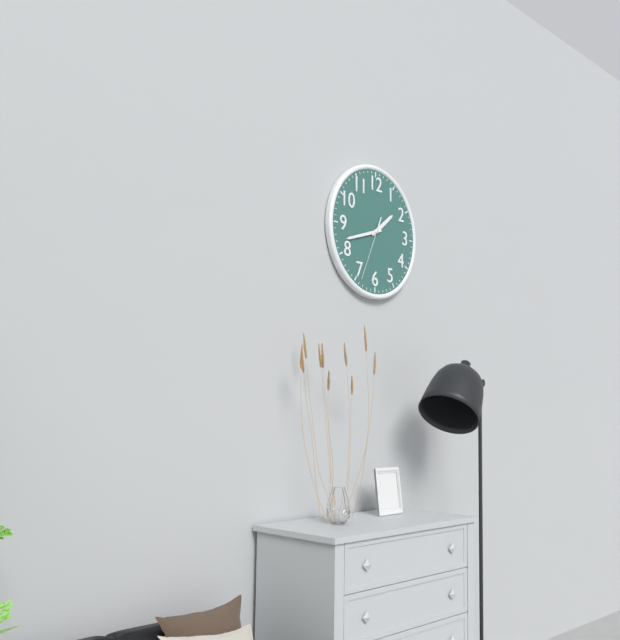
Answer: 1.42.34
